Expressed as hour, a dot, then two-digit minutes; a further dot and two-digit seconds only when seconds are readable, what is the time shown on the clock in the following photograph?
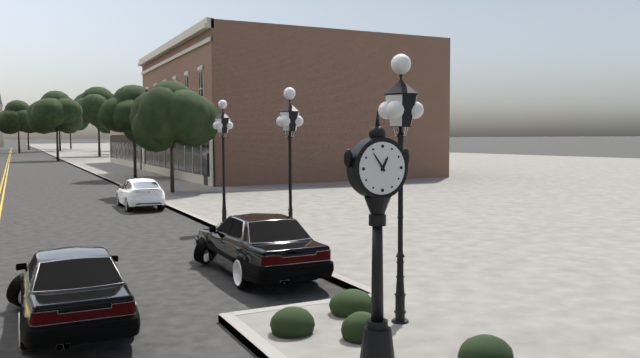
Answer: 12.54
